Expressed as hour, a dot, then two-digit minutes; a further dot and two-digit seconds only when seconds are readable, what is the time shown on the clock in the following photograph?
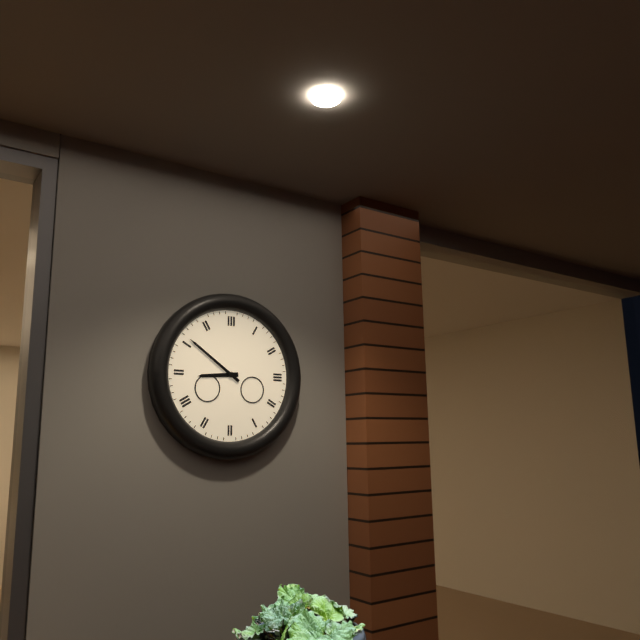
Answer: 8.51
